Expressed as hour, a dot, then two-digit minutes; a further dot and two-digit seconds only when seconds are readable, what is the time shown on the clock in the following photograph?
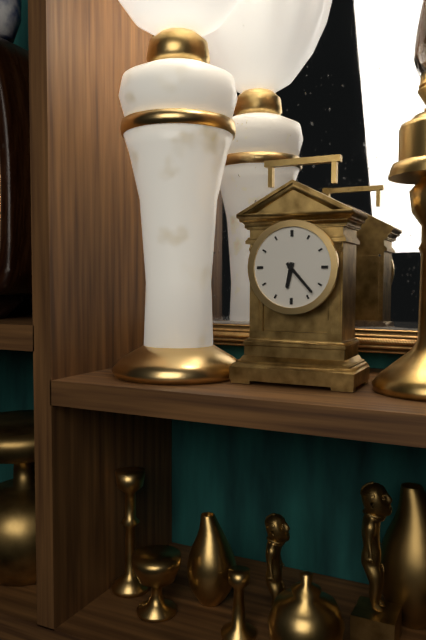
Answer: 6.23
